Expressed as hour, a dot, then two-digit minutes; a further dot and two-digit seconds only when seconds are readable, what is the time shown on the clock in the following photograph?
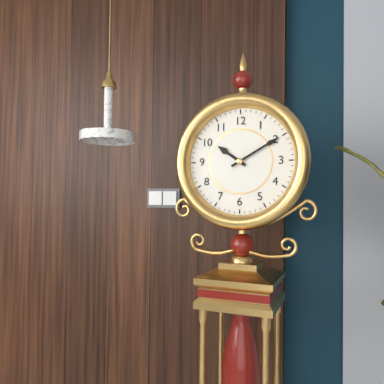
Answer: 10.10
